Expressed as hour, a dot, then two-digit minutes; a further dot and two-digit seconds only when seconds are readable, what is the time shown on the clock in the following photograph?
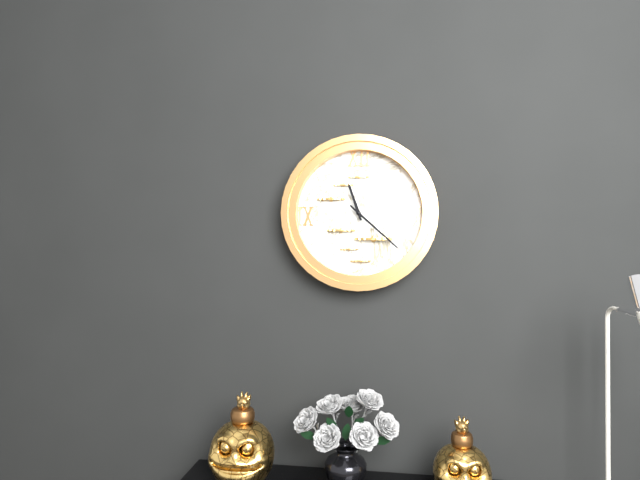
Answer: 11.22
